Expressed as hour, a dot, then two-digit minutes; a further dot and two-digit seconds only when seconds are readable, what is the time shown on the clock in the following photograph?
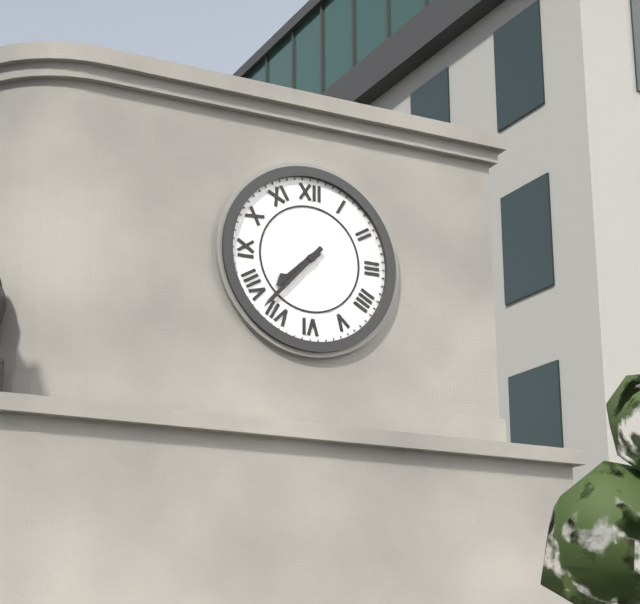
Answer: 7.37
